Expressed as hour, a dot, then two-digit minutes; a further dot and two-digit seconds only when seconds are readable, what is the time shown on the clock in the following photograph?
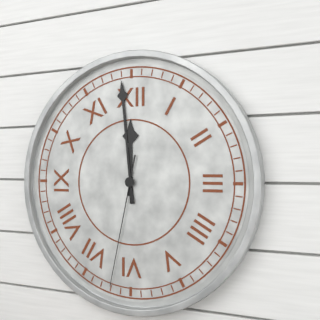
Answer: 11.59.32
